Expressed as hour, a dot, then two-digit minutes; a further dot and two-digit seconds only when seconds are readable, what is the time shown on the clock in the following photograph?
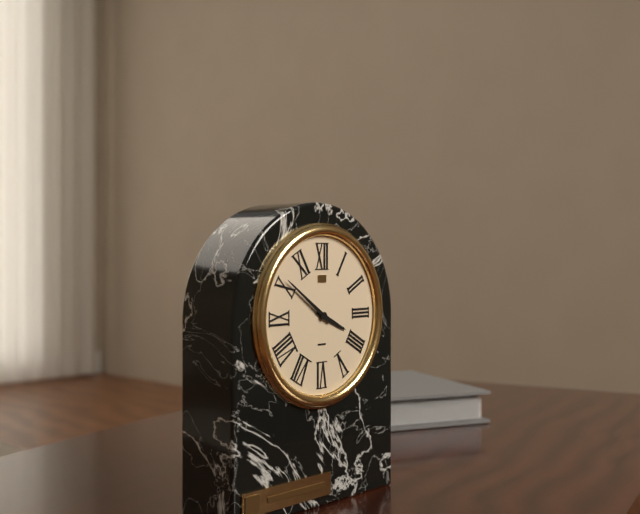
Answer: 3.51
